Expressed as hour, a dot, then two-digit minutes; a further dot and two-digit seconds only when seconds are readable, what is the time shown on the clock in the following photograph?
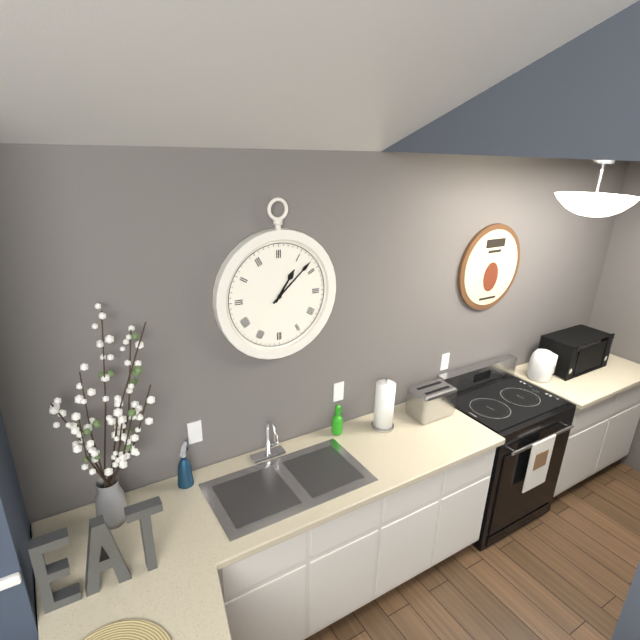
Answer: 1.08
